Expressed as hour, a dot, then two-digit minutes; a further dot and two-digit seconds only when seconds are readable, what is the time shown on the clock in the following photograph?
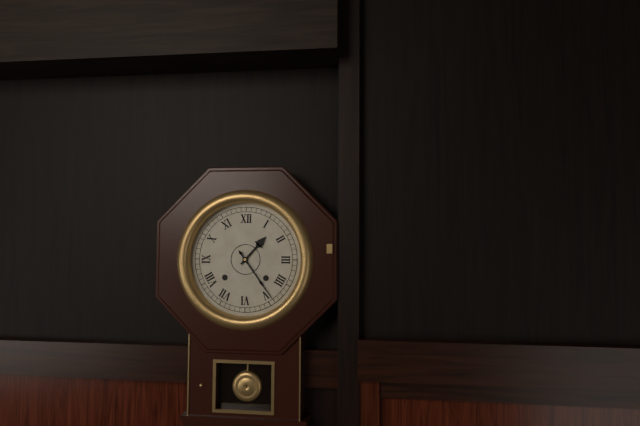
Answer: 1.24
